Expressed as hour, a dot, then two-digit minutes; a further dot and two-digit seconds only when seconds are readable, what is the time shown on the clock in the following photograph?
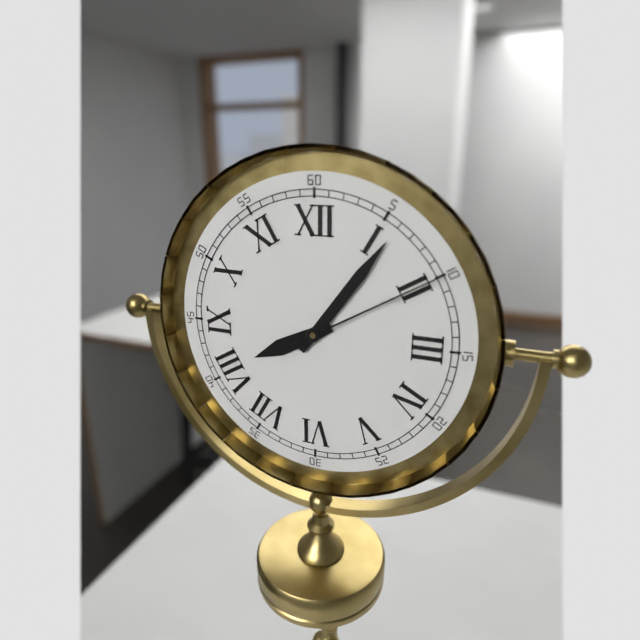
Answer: 8.06.10
